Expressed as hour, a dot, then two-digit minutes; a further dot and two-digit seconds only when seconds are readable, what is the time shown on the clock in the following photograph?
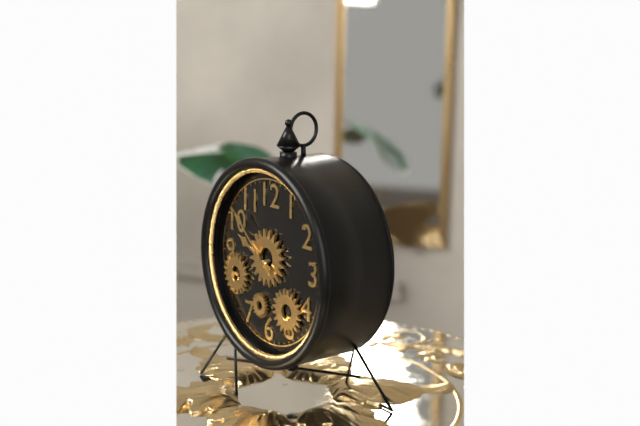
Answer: 9.52
